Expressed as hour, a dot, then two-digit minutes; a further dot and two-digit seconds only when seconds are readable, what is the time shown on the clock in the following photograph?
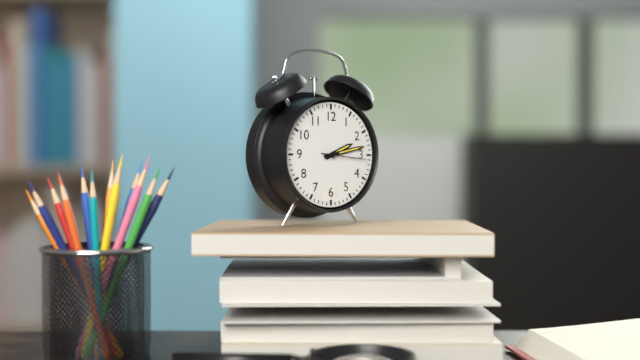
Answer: 2.13
